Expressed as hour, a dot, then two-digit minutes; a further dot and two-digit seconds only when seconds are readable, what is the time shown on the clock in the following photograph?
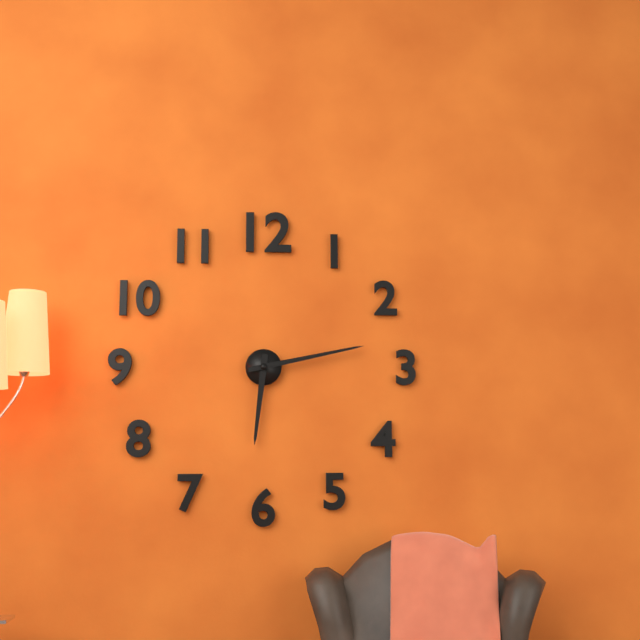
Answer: 6.13
